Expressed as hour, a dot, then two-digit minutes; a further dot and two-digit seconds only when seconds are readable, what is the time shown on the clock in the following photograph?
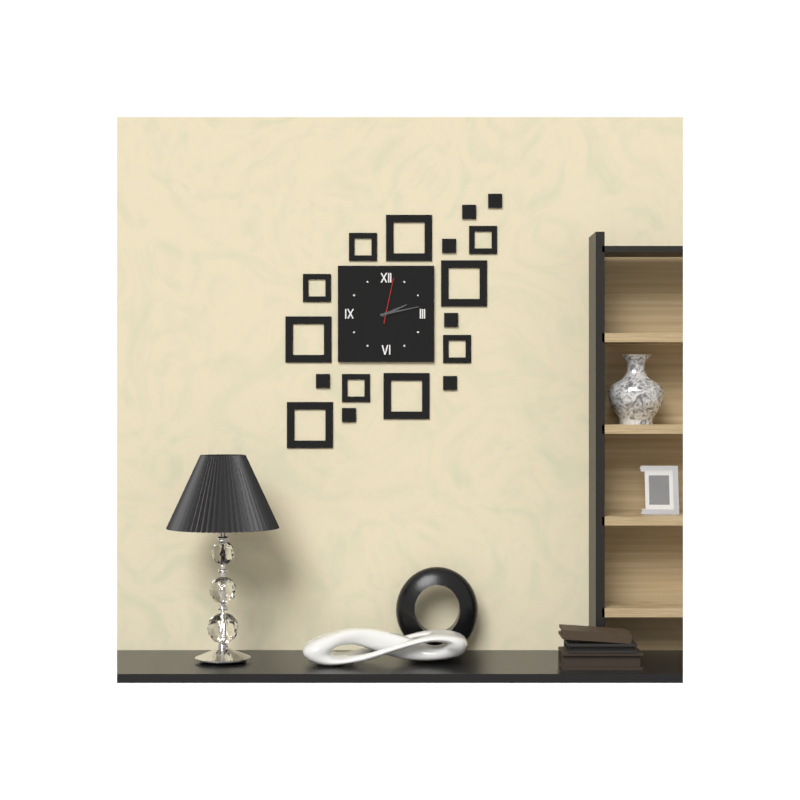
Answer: 2.13
